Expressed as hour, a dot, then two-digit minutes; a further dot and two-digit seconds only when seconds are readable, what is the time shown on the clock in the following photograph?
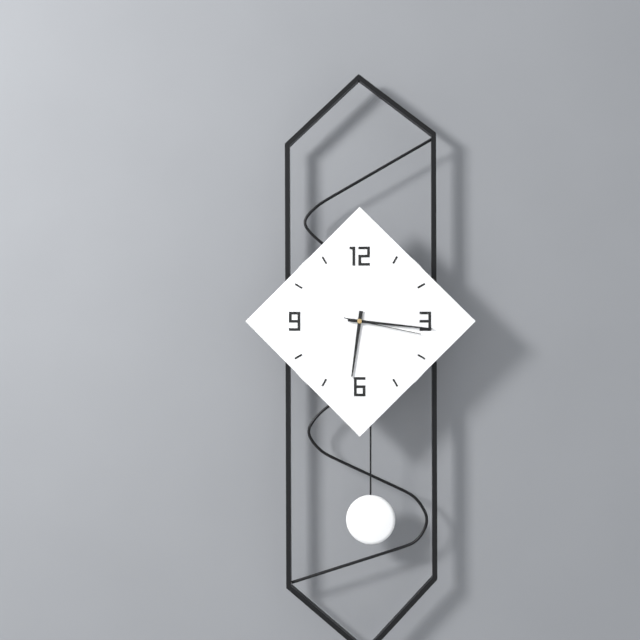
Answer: 6.16.17
